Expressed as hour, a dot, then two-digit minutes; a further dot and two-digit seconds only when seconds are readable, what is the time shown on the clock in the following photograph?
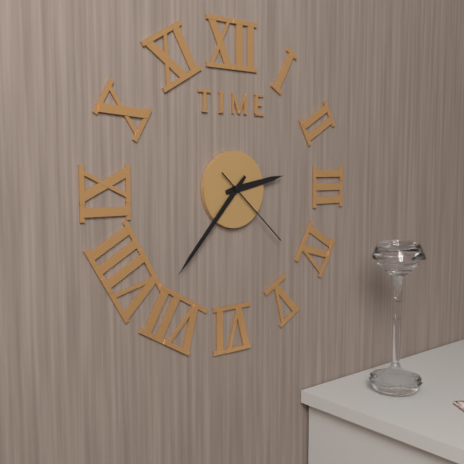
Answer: 2.37.22
